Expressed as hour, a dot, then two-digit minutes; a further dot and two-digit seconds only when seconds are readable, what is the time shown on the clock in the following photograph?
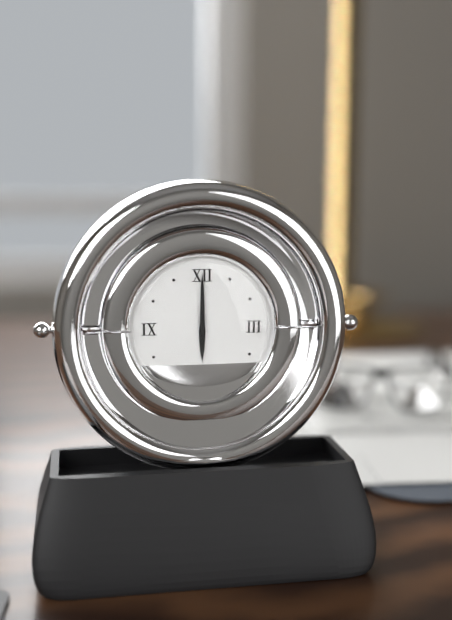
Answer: 6.00
